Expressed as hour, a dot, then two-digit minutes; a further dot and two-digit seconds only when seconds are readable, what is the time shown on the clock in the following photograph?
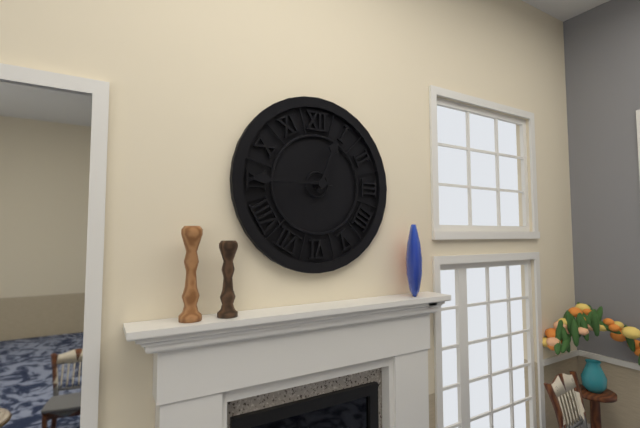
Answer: 12.45
